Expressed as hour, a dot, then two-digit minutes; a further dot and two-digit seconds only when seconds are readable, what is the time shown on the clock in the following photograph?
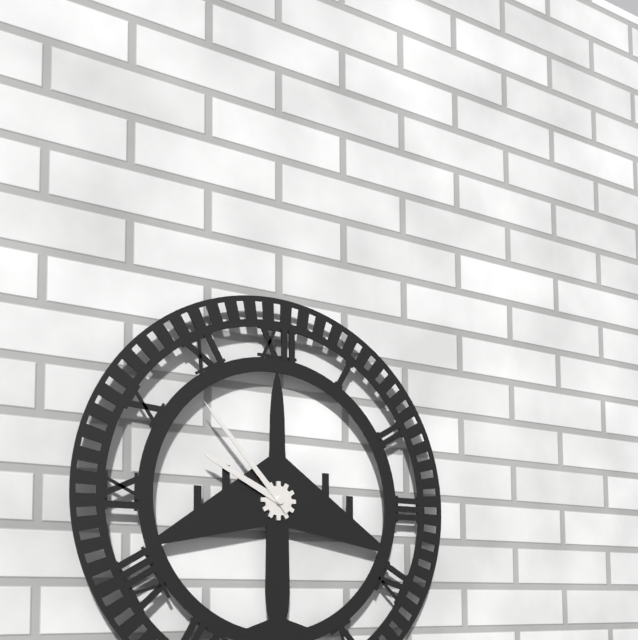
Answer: 9.53
